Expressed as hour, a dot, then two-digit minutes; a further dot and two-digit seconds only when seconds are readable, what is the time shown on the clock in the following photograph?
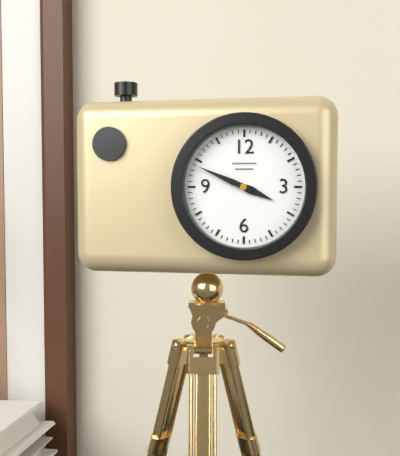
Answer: 3.49
